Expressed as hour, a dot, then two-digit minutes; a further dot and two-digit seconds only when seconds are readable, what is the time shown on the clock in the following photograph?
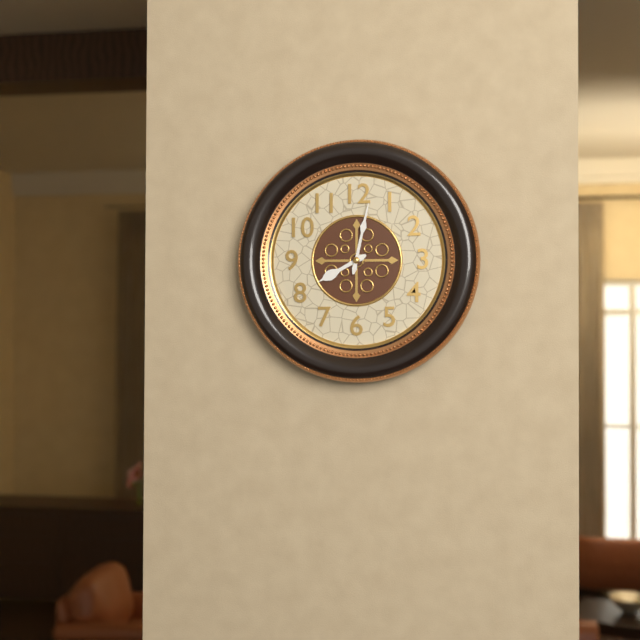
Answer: 8.02
